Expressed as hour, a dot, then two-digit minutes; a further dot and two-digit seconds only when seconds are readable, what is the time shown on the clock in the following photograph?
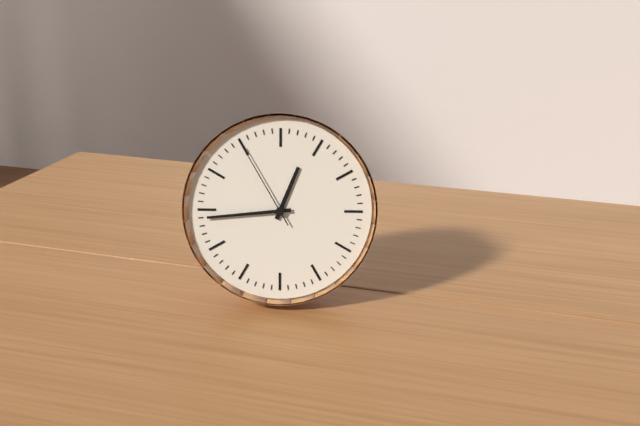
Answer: 12.44.55
